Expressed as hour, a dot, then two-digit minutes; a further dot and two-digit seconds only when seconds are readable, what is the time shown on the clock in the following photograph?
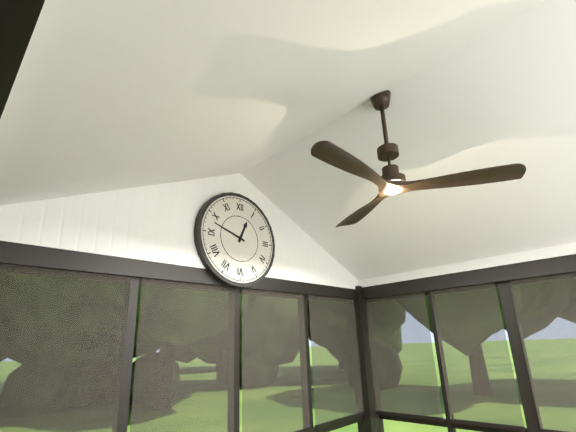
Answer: 12.48
